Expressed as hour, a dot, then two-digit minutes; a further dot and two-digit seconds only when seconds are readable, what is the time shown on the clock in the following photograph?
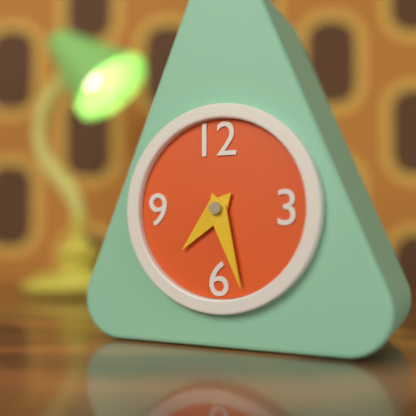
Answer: 7.27
